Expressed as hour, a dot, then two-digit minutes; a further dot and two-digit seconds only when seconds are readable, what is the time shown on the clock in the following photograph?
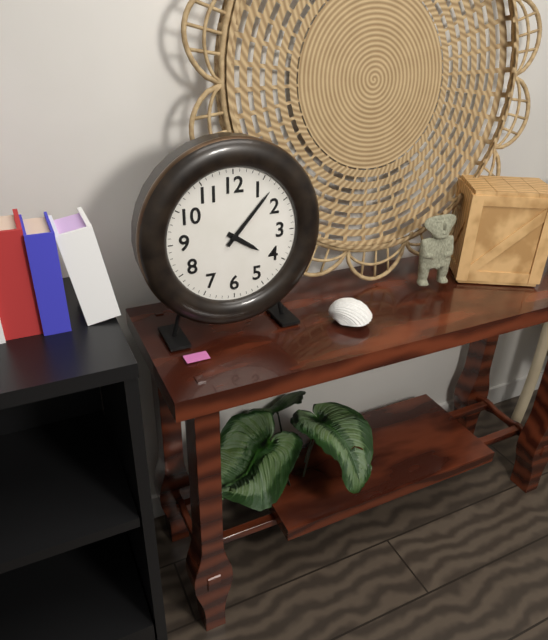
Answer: 4.07
